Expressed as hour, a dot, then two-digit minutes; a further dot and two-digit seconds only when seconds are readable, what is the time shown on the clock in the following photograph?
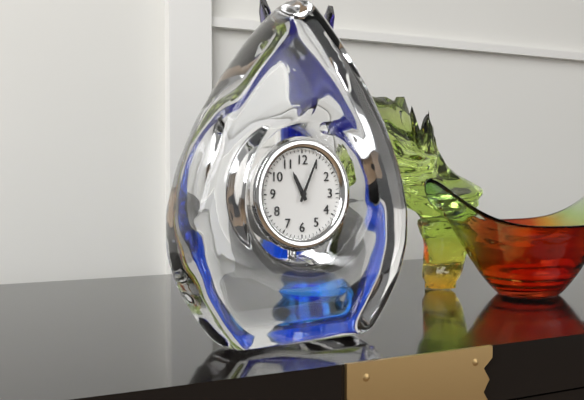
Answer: 11.04
